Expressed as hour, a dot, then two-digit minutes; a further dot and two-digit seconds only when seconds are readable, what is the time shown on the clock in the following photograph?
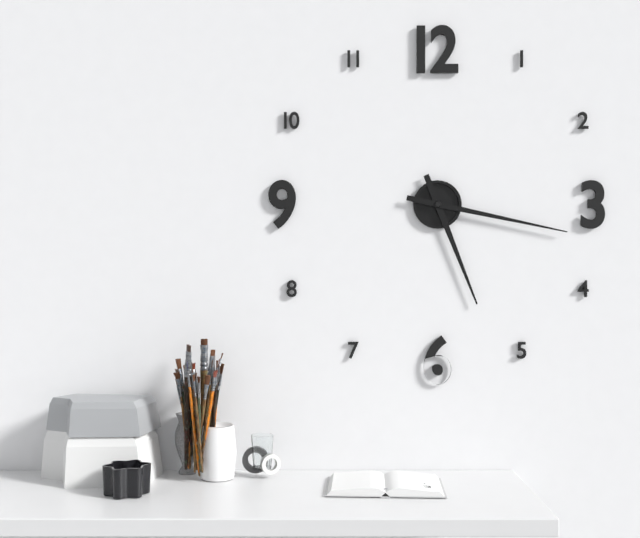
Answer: 5.17
